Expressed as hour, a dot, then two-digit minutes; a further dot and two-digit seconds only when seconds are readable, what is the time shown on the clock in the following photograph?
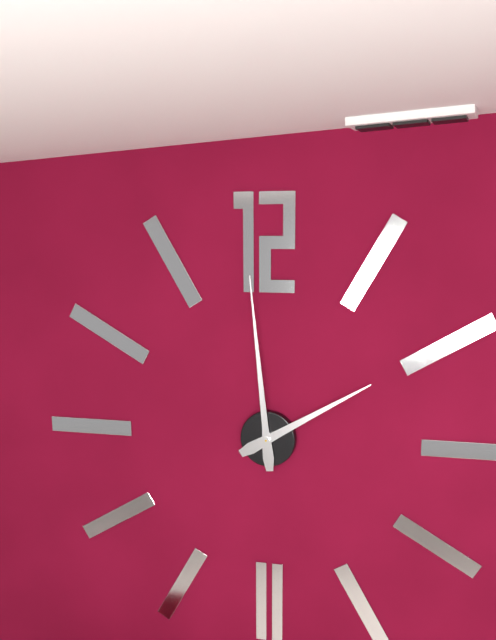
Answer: 1.59
